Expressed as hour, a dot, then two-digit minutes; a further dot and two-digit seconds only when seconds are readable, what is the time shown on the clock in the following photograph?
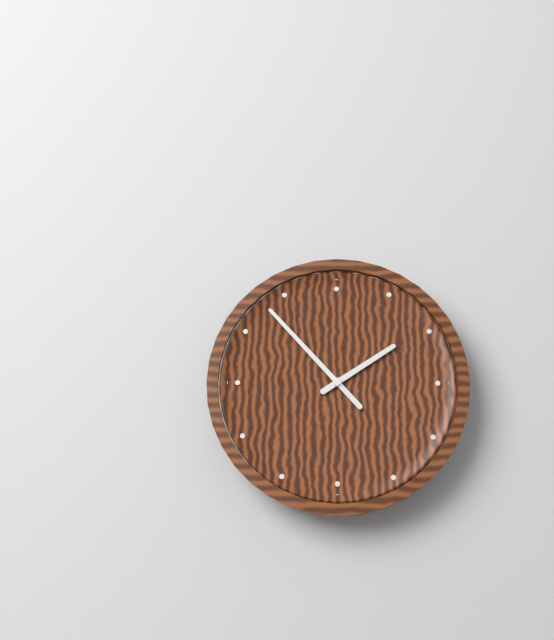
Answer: 1.53
